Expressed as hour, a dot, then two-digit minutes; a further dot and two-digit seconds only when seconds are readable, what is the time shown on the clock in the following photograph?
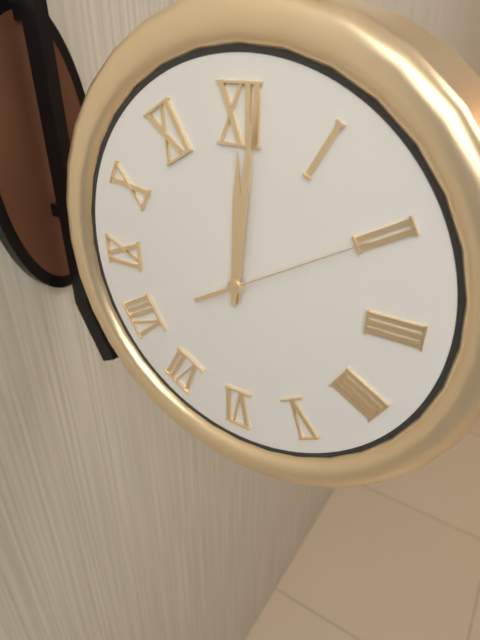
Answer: 12.01.10
